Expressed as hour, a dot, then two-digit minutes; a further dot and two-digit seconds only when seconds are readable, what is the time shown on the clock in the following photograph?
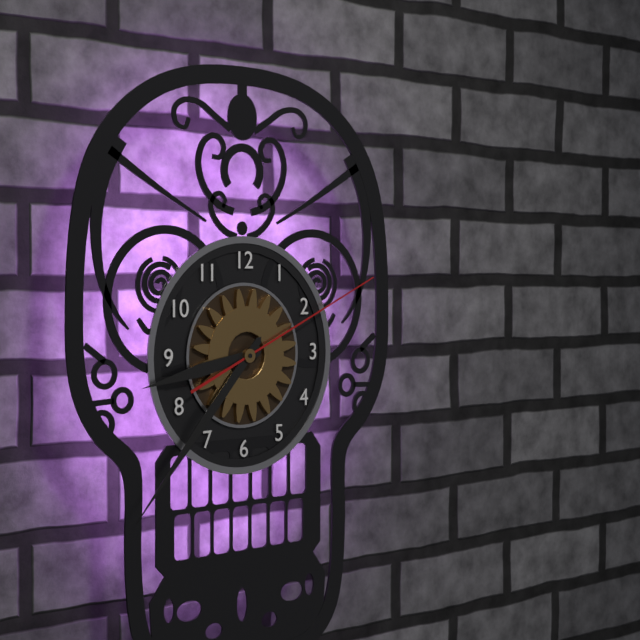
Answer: 8.37.11
